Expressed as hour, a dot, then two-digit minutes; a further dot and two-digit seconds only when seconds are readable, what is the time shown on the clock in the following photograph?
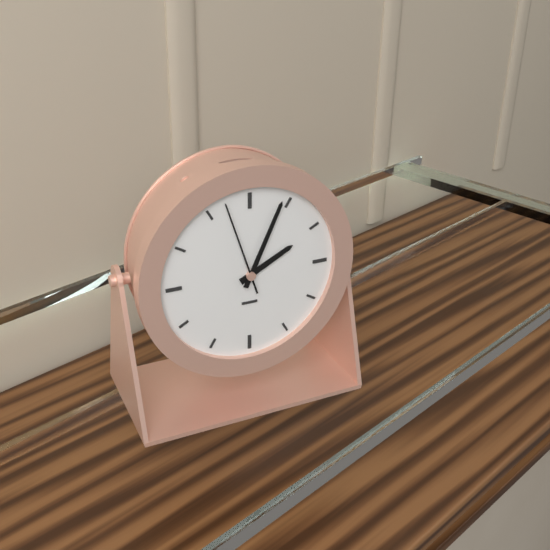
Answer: 2.04.57
